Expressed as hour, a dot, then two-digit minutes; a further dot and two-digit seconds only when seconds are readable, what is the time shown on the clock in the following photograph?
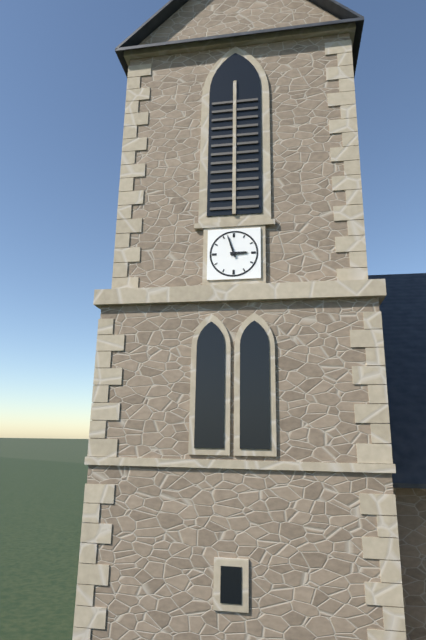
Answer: 2.57
